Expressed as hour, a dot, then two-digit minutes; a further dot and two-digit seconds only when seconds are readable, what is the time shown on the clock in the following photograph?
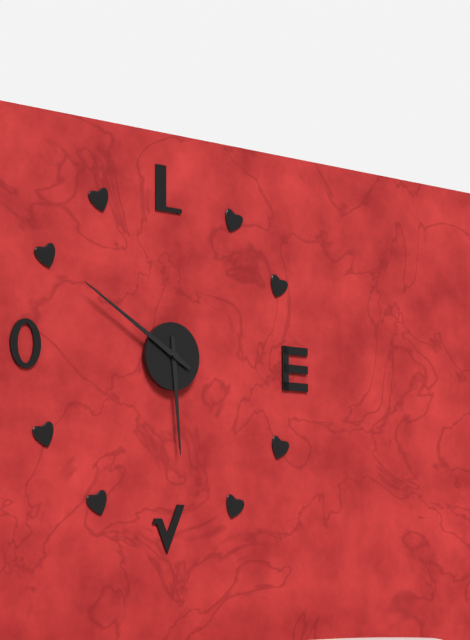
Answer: 5.50
